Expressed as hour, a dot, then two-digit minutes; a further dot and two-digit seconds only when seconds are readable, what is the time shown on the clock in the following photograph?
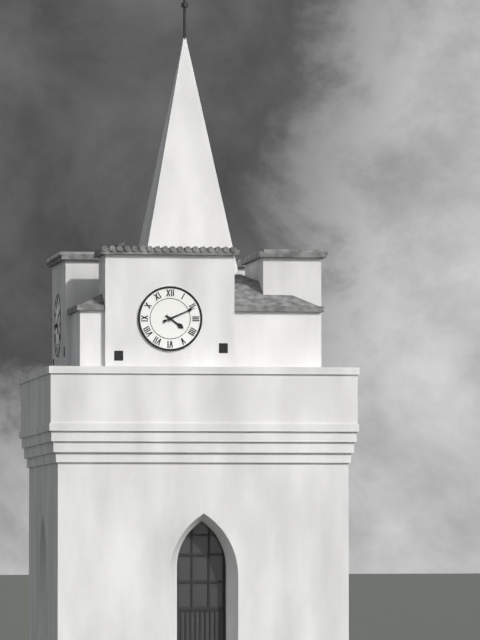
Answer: 4.11
